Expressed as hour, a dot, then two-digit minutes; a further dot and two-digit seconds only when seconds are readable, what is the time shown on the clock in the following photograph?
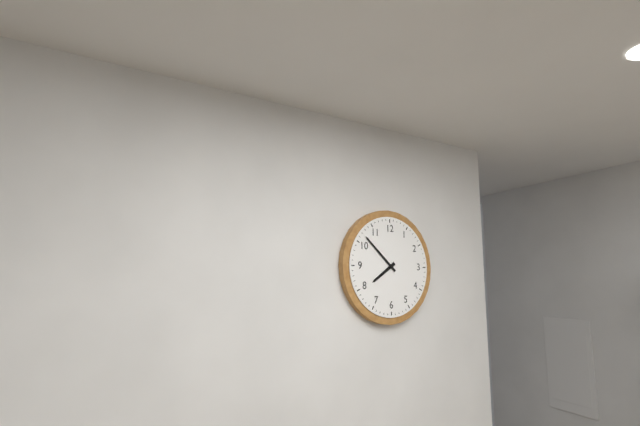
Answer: 7.52
